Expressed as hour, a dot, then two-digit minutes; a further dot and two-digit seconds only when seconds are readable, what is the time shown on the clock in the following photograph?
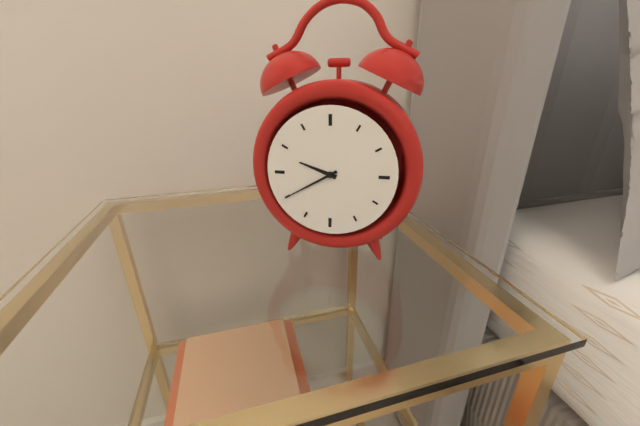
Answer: 9.40
